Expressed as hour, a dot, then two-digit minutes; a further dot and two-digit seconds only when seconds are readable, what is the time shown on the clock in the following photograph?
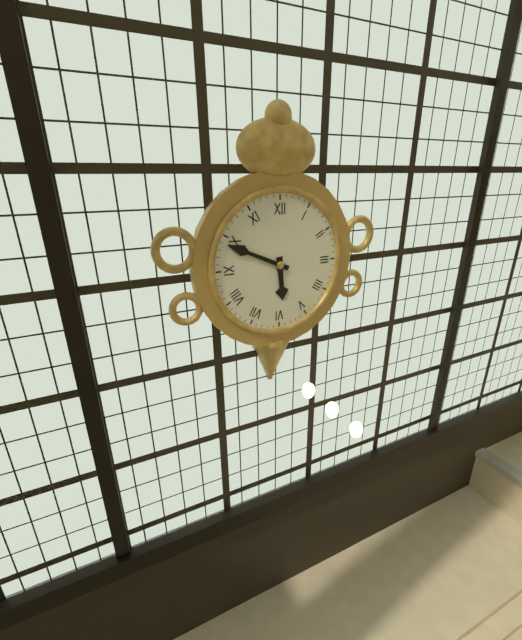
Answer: 5.49
